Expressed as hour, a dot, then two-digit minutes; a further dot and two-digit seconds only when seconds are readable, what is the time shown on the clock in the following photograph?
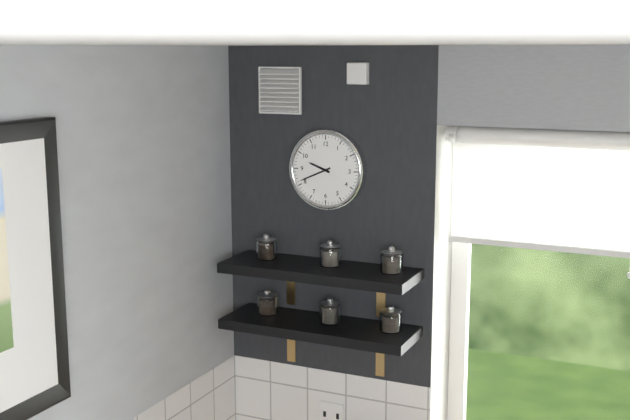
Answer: 9.41
